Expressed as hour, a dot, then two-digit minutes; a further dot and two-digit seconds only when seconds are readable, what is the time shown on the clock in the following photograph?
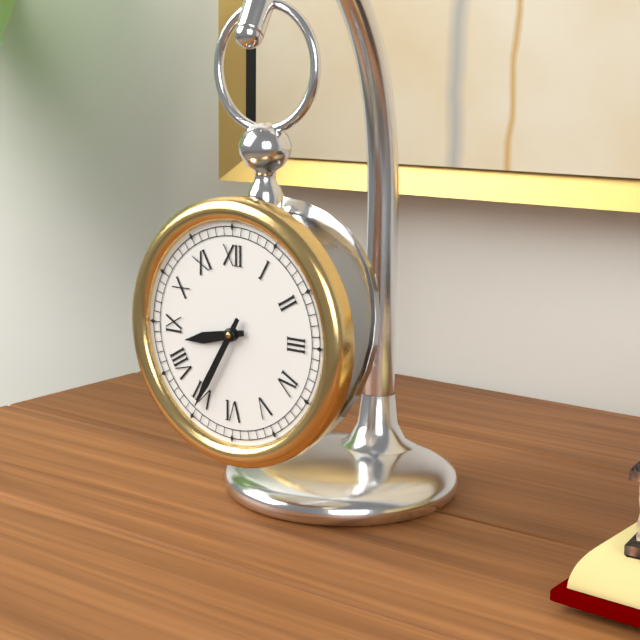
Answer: 8.35
